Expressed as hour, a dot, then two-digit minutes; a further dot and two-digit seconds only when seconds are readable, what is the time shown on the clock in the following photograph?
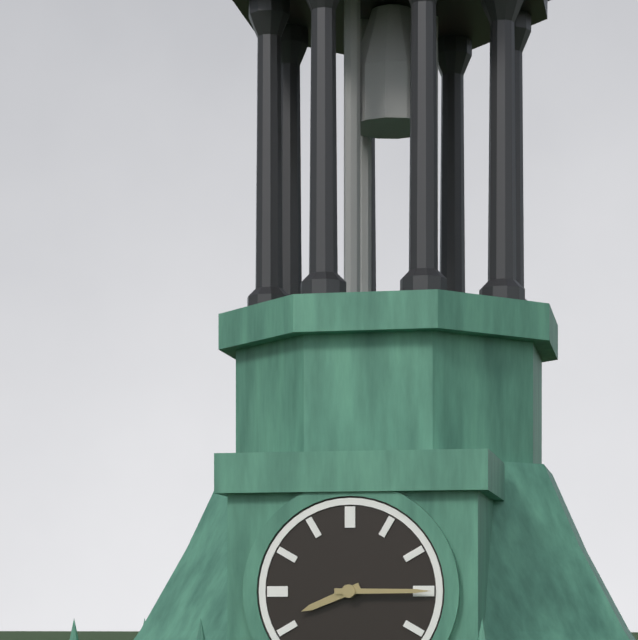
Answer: 8.15
